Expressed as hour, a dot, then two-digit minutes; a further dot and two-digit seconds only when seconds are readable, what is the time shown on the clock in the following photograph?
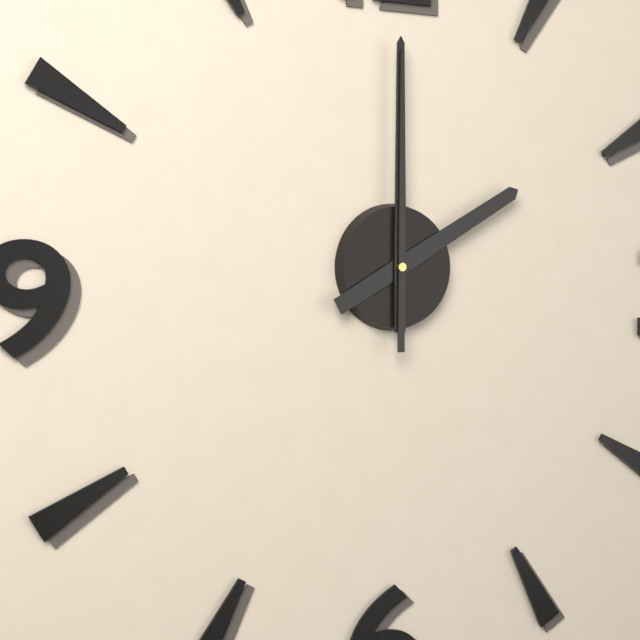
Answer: 2.00.00
